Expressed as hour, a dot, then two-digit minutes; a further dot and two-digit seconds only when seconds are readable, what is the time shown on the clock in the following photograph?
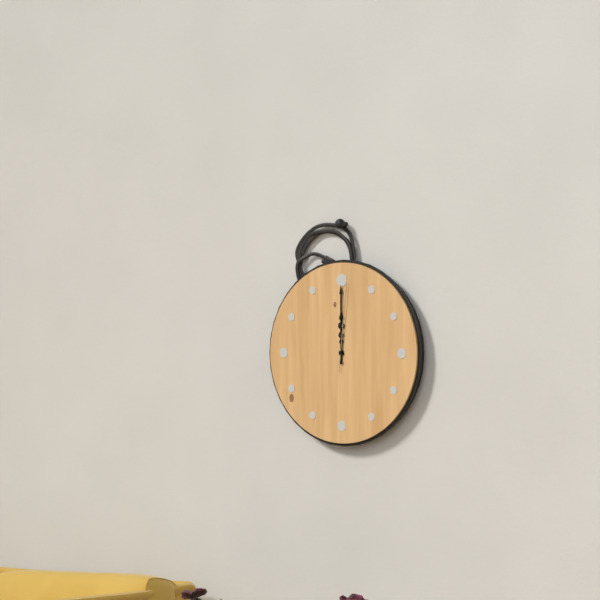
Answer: 12.00.01
